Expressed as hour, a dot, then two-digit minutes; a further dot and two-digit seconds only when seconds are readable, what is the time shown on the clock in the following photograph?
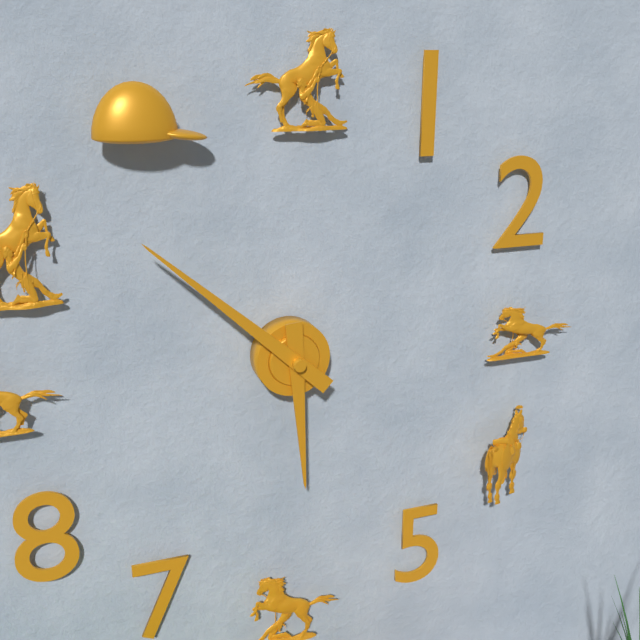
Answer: 5.52
